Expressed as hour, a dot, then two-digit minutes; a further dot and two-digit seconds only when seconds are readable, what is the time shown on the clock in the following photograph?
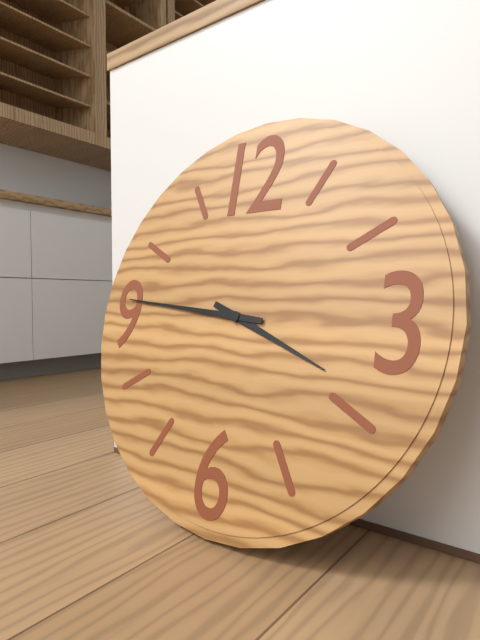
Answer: 3.46
